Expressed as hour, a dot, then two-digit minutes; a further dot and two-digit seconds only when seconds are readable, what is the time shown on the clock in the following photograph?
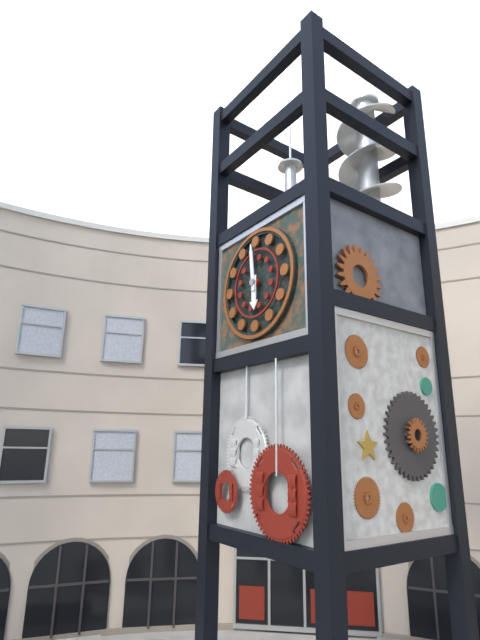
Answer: 5.59
